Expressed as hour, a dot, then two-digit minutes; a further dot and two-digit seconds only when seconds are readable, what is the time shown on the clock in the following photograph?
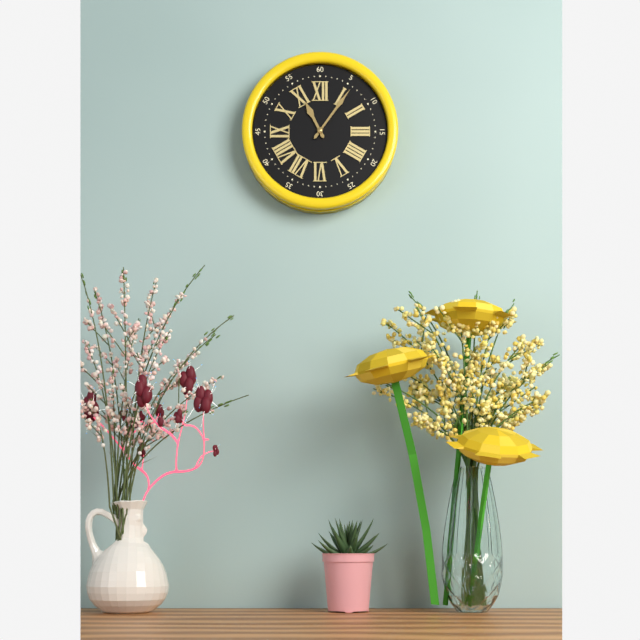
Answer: 11.06
